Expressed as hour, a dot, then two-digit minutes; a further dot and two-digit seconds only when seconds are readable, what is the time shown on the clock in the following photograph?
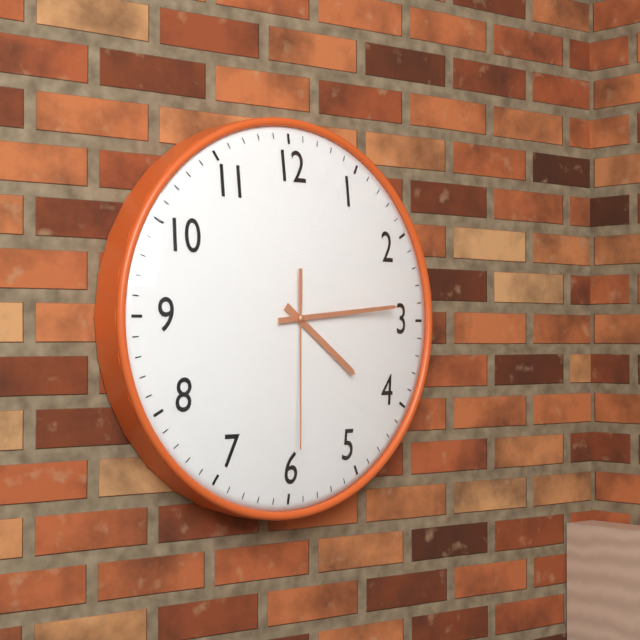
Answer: 4.14.30
